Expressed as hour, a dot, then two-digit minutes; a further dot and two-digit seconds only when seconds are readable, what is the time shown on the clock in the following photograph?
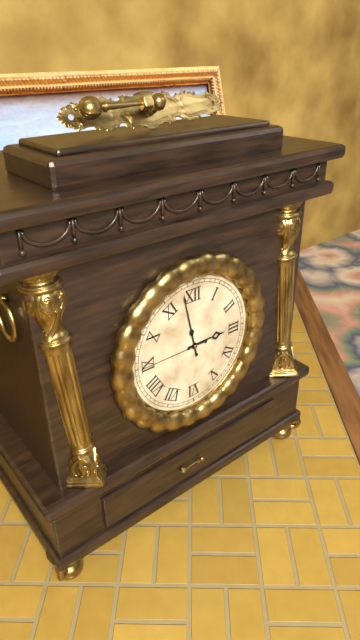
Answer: 2.58.45
